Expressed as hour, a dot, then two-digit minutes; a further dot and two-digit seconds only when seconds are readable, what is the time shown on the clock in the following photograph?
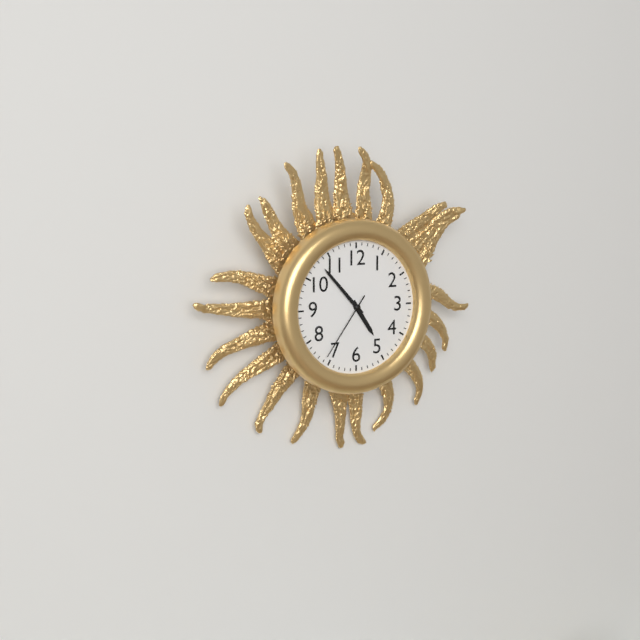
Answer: 4.53.36
